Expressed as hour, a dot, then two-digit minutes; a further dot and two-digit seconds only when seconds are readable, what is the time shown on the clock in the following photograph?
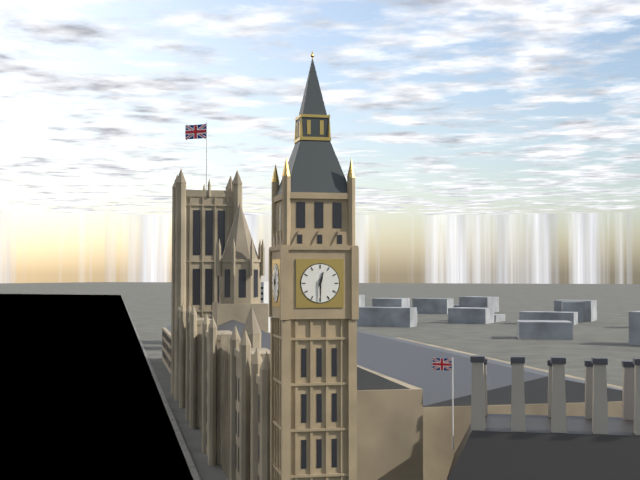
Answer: 12.30
